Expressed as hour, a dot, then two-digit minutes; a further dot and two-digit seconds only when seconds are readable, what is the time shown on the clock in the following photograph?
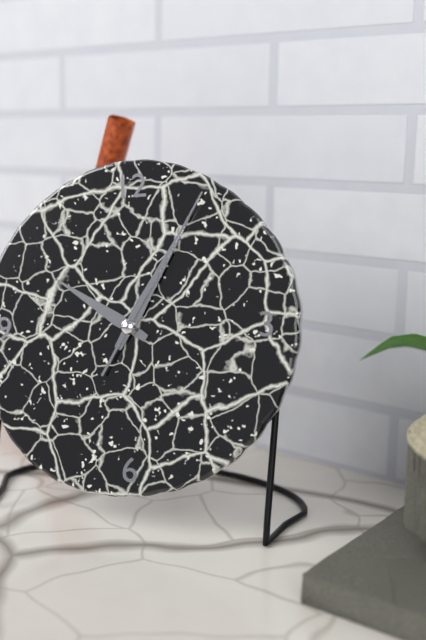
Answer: 10.05.05
